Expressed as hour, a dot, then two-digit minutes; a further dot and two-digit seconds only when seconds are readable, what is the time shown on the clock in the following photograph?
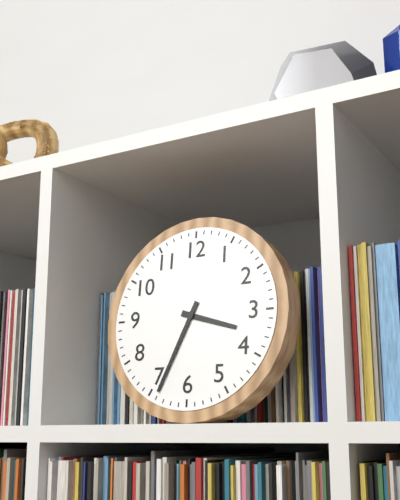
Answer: 3.34
